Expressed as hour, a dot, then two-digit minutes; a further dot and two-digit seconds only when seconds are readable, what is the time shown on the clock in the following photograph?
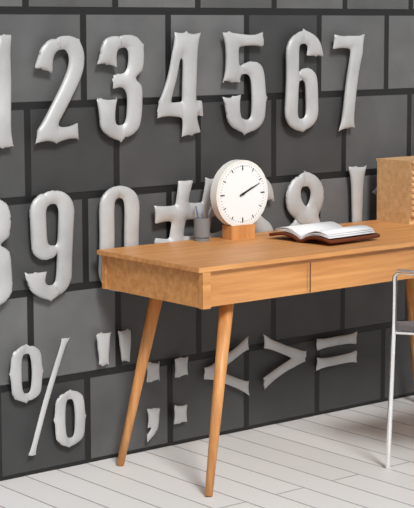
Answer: 2.11
